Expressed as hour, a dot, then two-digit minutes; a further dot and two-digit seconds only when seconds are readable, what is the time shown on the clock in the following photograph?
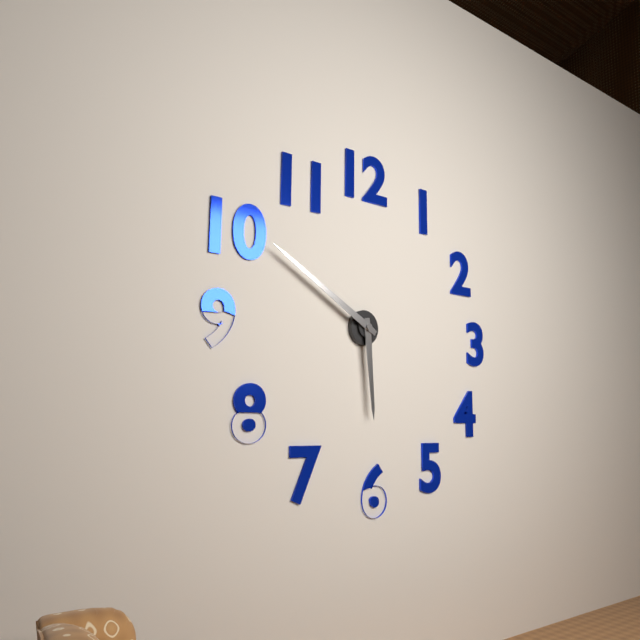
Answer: 5.50
